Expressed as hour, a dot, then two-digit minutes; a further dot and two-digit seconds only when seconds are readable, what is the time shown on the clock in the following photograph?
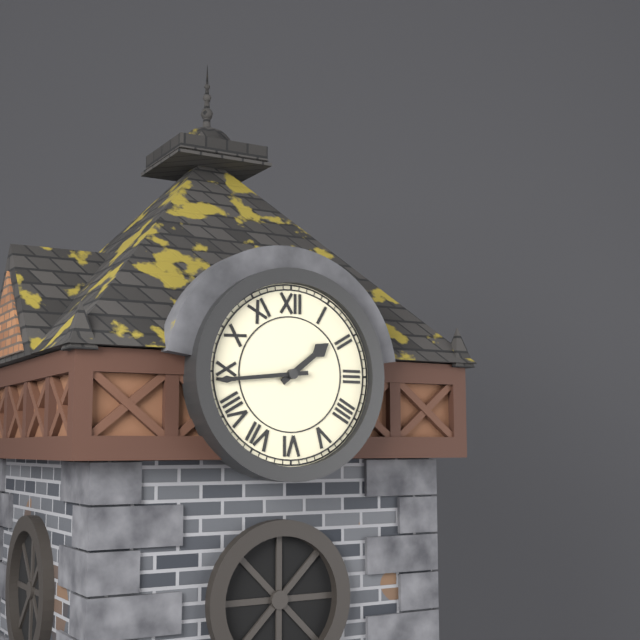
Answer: 1.44
